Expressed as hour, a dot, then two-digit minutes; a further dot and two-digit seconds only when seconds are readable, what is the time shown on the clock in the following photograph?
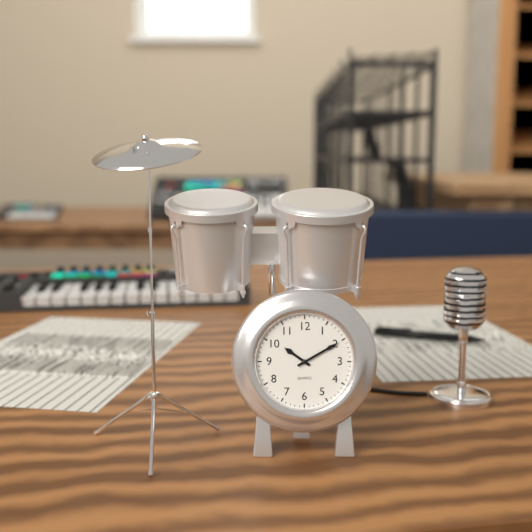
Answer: 10.10
